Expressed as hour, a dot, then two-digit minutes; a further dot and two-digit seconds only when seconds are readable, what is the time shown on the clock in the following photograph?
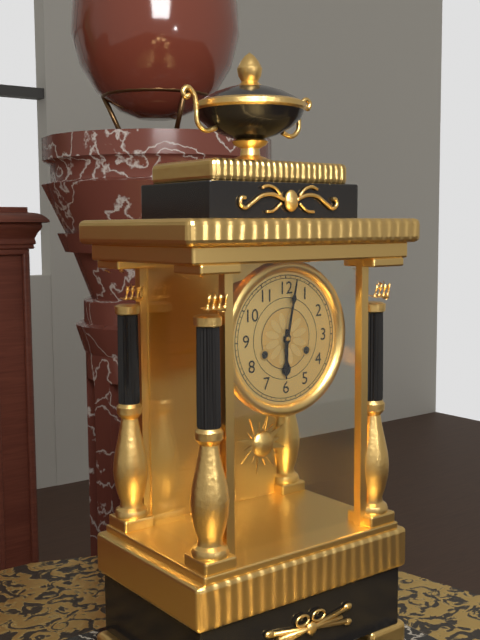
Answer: 6.02
